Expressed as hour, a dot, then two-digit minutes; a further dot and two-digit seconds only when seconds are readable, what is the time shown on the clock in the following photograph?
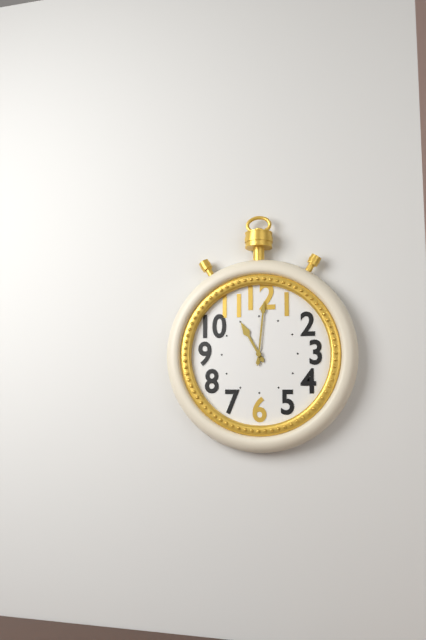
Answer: 11.01
